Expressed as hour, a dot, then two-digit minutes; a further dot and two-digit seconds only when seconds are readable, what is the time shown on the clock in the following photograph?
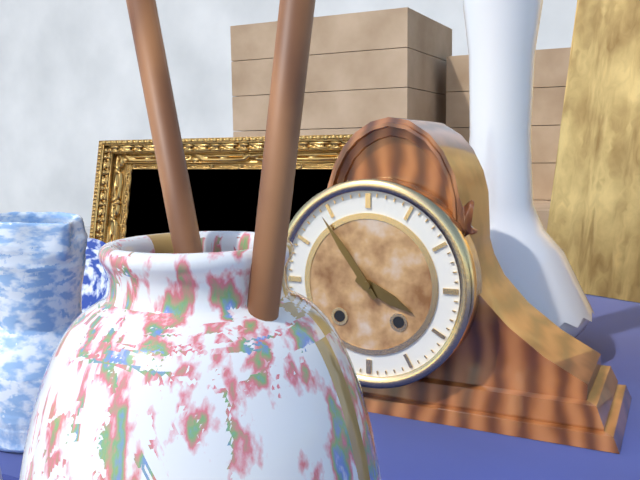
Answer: 3.54
